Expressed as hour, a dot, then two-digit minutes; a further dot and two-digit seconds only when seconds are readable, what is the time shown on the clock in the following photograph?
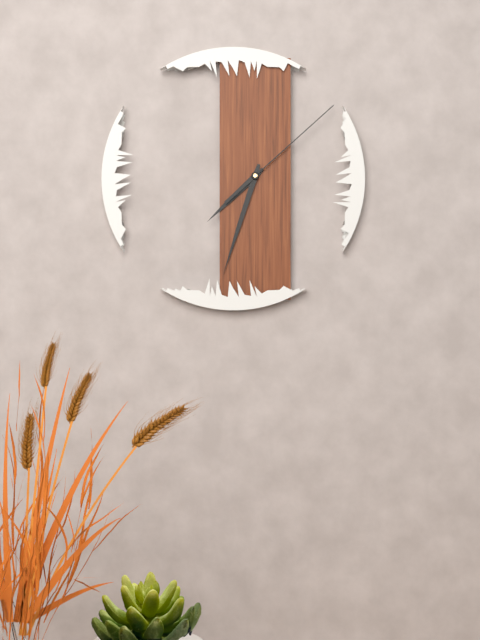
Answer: 7.33.08
